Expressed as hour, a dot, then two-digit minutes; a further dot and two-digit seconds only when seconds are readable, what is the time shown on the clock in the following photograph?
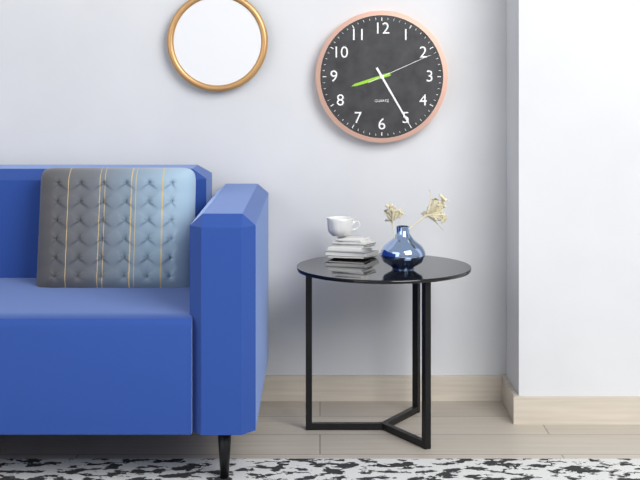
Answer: 8.25.11
